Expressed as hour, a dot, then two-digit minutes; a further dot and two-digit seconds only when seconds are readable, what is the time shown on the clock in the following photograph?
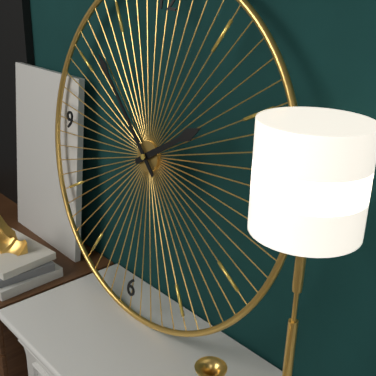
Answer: 1.52
